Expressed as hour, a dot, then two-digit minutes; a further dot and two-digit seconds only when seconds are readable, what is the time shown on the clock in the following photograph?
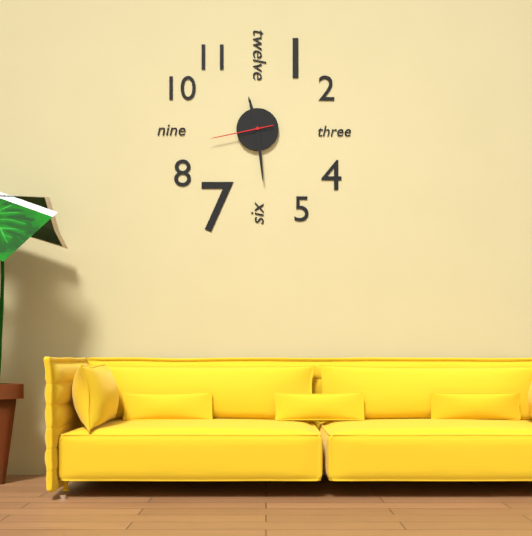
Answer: 11.29.43
